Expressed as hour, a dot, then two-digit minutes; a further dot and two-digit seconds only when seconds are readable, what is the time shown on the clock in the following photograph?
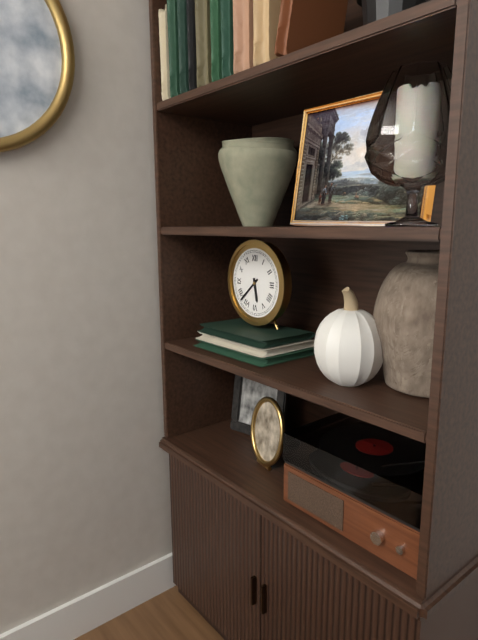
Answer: 5.38
